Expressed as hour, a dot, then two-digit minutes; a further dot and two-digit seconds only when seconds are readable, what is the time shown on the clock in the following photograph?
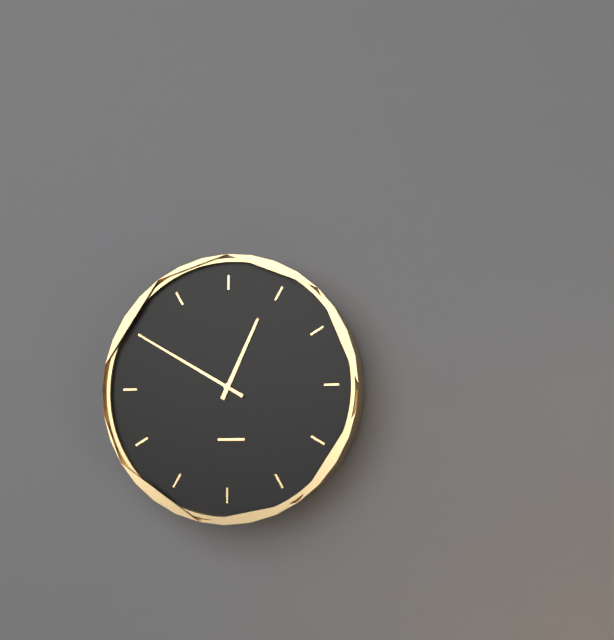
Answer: 12.50
